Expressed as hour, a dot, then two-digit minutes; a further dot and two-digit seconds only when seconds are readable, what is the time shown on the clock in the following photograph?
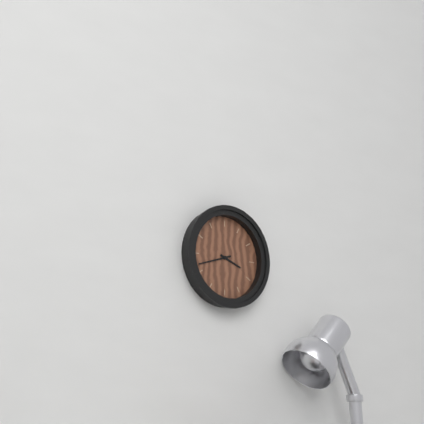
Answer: 3.42
